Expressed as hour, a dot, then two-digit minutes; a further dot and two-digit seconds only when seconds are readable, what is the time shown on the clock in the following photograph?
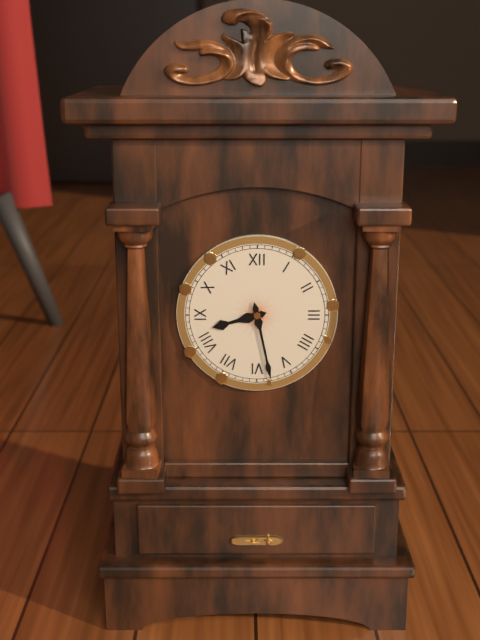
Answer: 8.28
